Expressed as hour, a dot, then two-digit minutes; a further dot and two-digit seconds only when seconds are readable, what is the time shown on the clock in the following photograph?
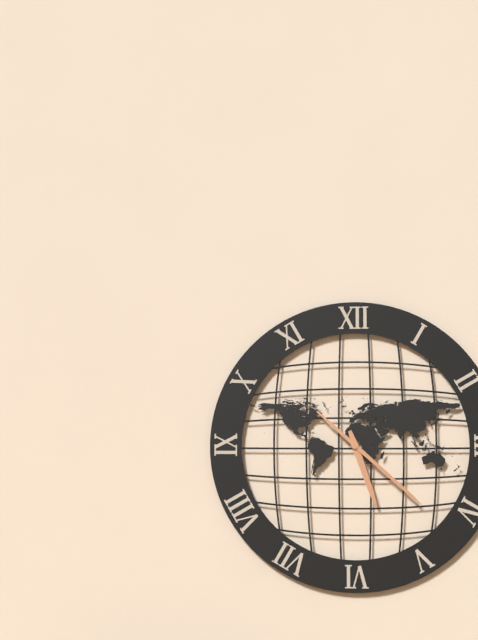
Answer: 5.22
